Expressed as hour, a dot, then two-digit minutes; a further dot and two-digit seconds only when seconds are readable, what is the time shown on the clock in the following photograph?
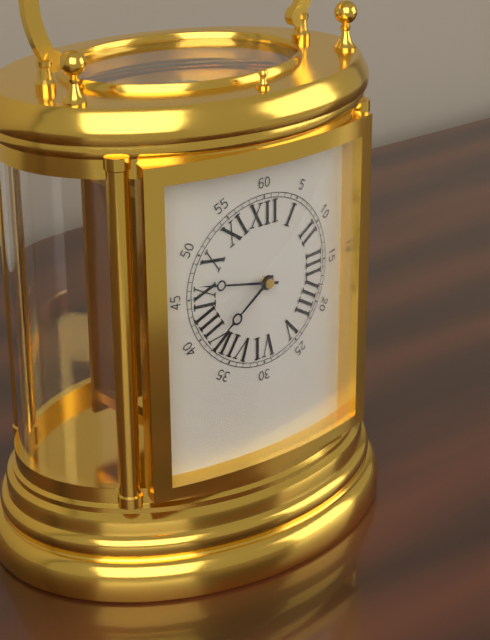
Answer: 7.47
